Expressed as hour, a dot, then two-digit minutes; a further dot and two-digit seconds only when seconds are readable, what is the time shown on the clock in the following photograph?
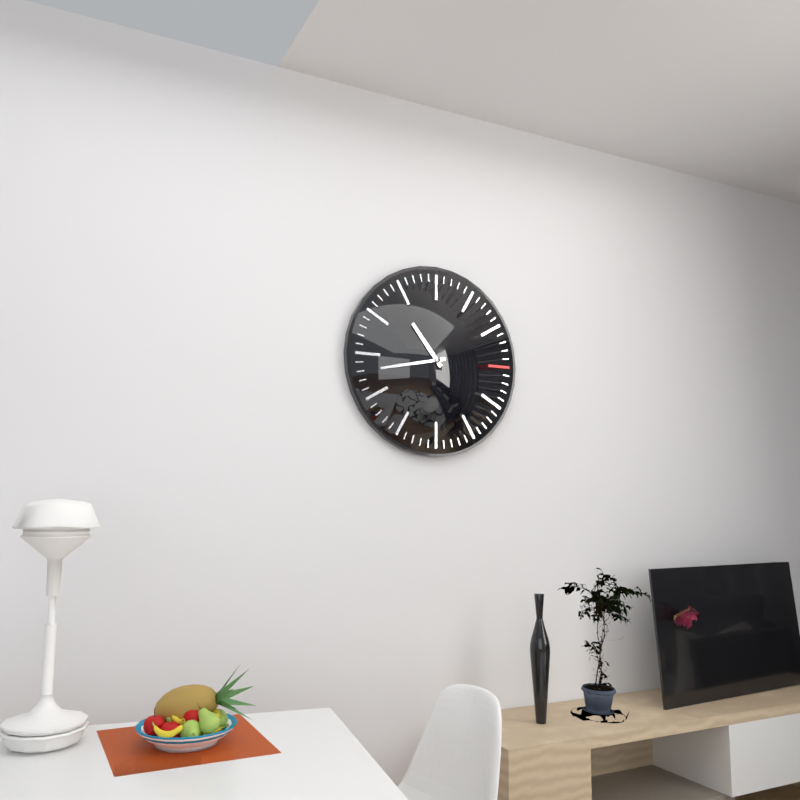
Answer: 10.43
